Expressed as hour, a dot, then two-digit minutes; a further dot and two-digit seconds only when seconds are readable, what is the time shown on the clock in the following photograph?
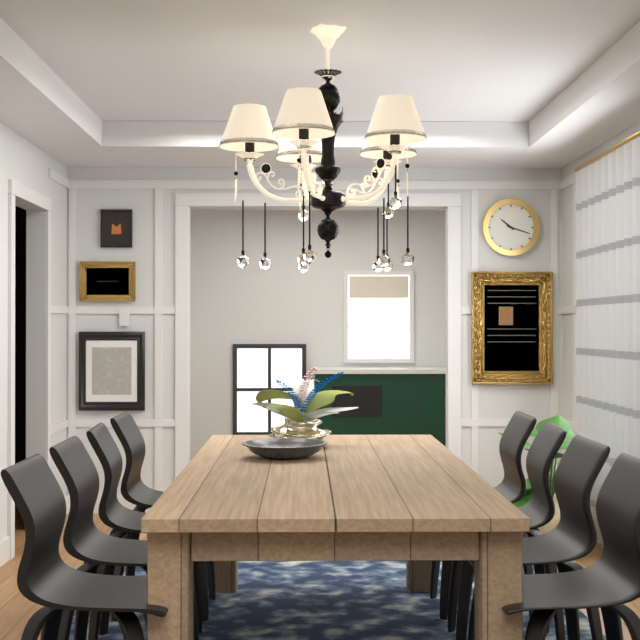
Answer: 10.18
